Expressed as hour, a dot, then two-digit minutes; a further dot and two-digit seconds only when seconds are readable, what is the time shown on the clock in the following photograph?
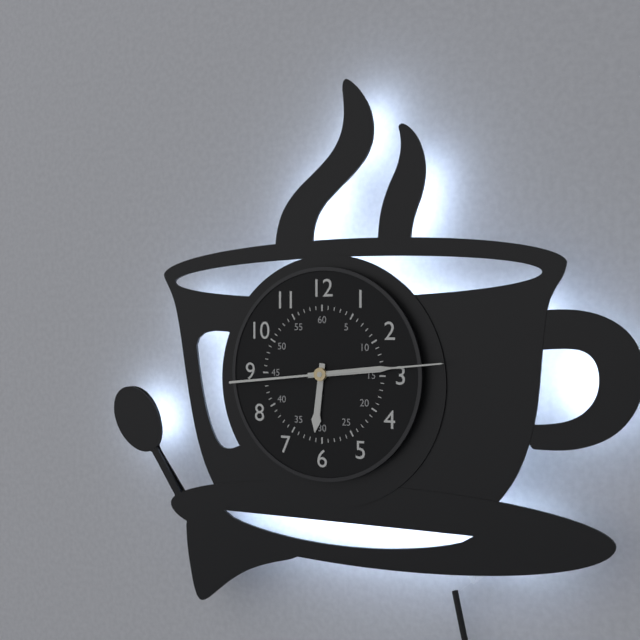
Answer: 6.14.14
